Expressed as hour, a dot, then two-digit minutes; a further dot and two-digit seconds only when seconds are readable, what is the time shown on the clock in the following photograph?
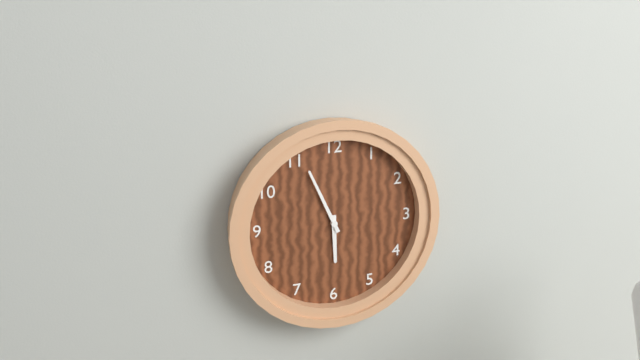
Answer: 5.56
